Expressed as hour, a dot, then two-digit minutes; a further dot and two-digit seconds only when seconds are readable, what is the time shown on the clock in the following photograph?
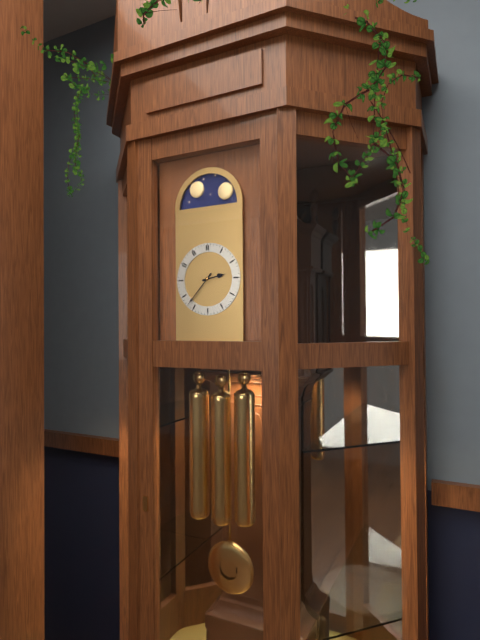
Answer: 2.37
